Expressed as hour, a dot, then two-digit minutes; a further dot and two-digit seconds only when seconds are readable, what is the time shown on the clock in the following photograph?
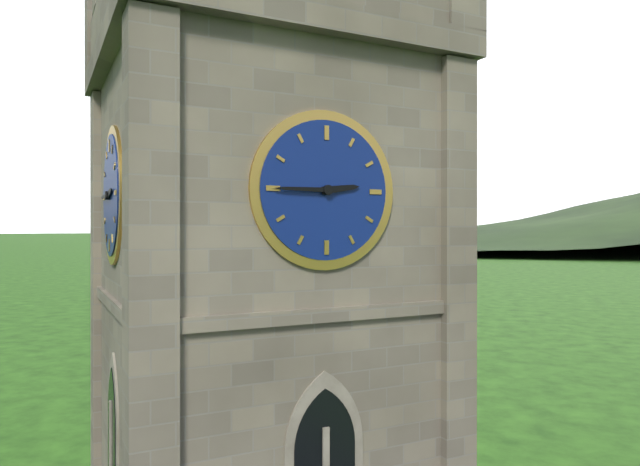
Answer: 2.45
